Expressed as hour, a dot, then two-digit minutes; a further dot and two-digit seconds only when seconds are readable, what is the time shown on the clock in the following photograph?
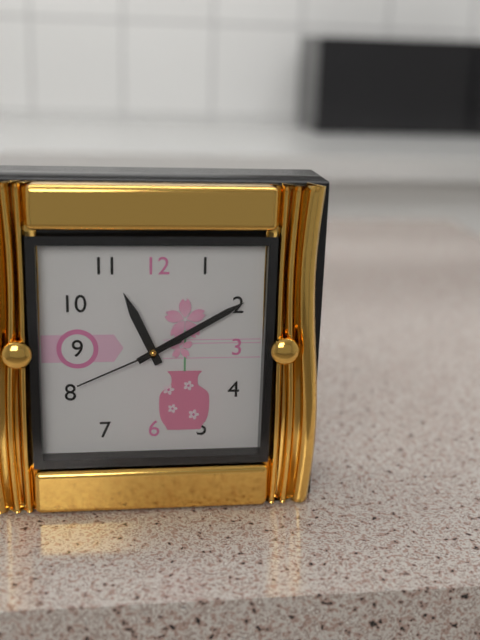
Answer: 11.10.41
